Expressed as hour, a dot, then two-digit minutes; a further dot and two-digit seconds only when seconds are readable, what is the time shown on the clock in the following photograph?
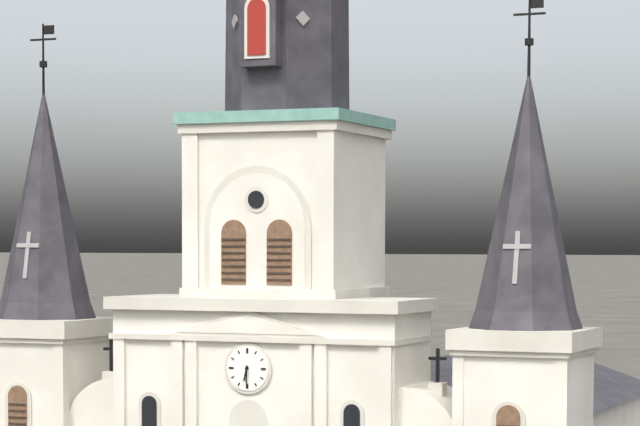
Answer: 6.30
